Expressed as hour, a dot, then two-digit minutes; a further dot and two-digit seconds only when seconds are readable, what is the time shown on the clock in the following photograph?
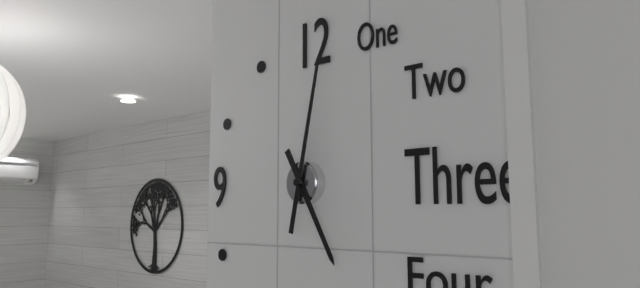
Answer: 5.02
